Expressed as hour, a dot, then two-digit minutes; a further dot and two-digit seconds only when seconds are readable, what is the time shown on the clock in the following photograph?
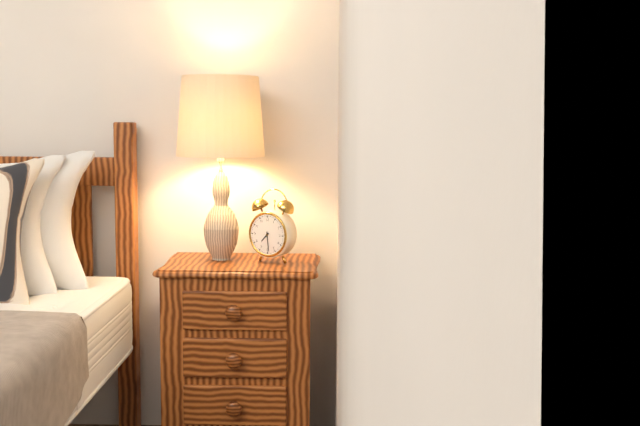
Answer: 7.29
